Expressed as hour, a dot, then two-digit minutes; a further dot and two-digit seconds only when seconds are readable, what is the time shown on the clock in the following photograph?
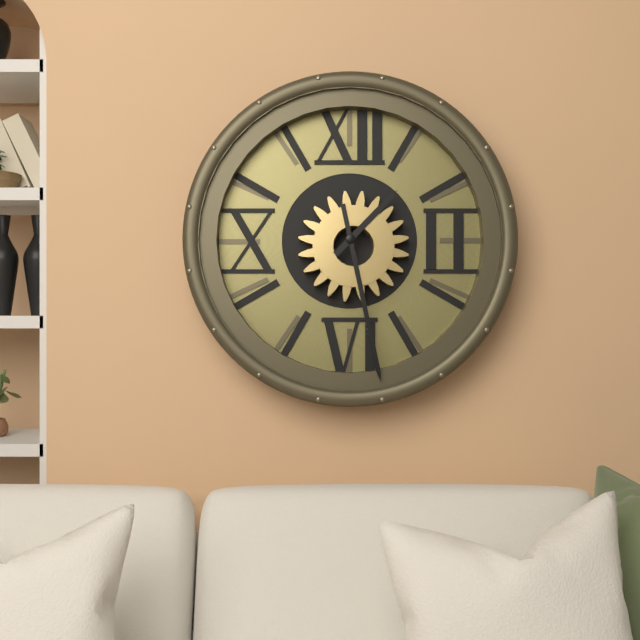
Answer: 1.28
